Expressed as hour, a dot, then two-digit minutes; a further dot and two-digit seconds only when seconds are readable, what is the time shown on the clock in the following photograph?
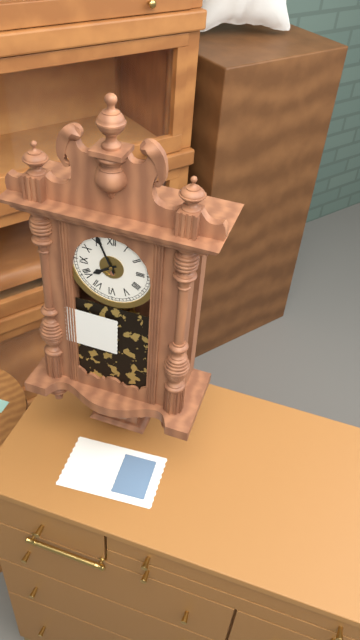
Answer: 7.56
